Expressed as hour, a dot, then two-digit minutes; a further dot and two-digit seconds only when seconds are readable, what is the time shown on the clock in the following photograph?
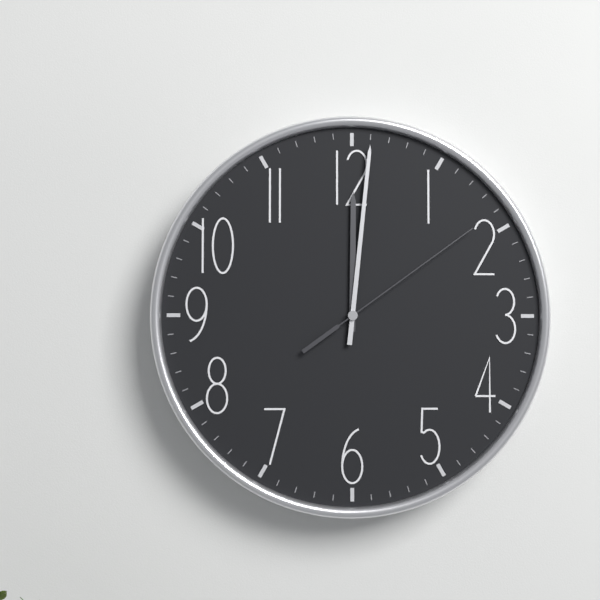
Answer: 12.01.09
